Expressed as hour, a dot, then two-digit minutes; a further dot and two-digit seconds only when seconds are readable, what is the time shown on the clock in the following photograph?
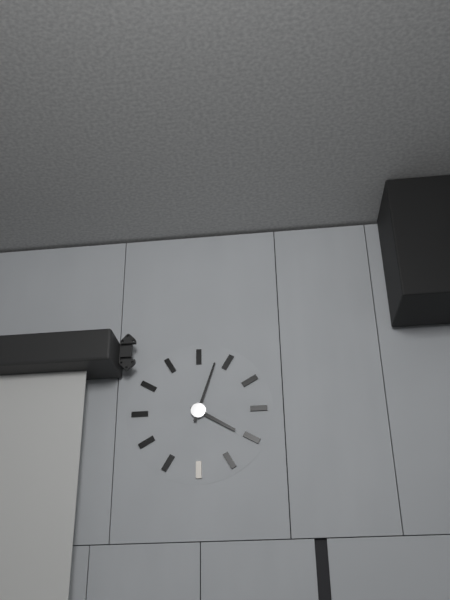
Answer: 4.03
